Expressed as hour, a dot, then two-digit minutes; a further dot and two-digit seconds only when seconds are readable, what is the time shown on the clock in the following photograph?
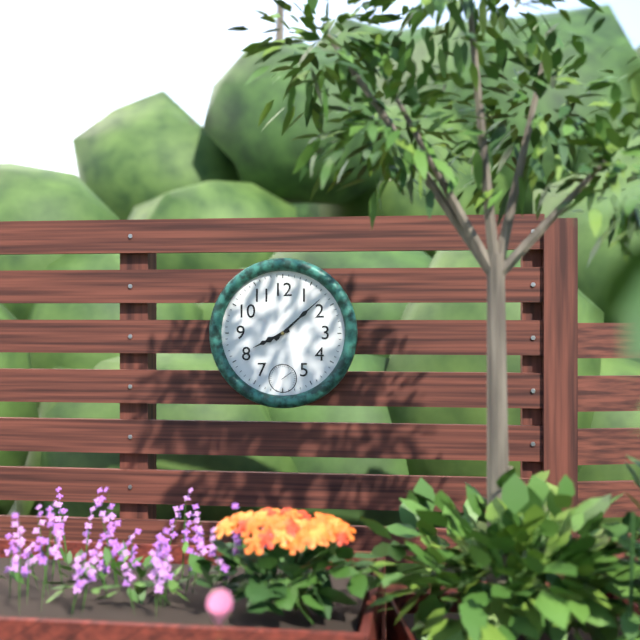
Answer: 8.08
